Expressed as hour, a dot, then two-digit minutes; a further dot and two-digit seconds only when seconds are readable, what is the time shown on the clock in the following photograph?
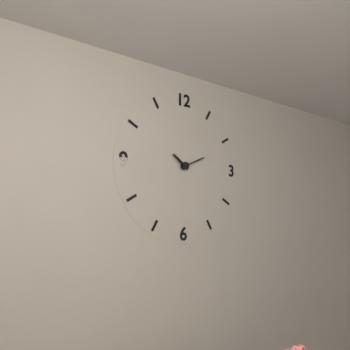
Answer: 10.11
